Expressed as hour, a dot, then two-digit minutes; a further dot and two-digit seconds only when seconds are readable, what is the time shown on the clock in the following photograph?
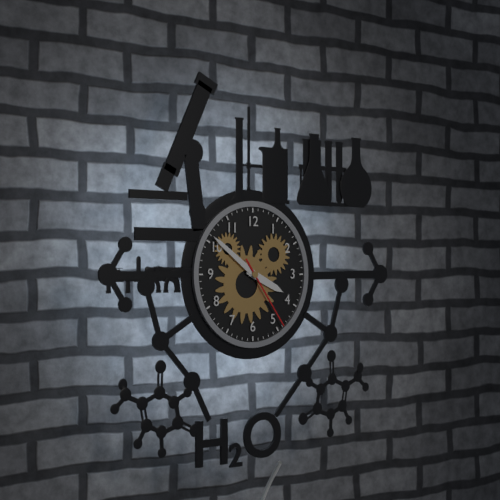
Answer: 3.51.24
